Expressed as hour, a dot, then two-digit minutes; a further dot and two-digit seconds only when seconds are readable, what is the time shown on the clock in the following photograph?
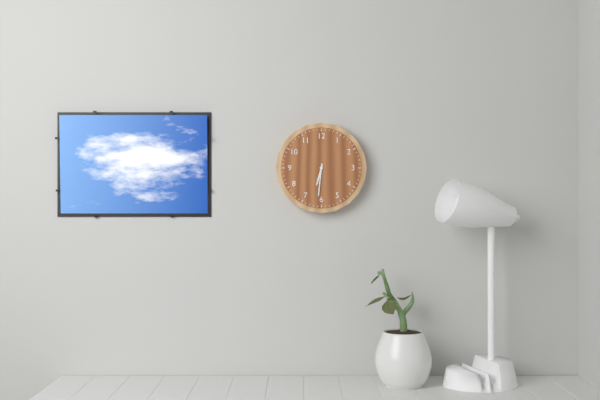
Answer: 6.31
